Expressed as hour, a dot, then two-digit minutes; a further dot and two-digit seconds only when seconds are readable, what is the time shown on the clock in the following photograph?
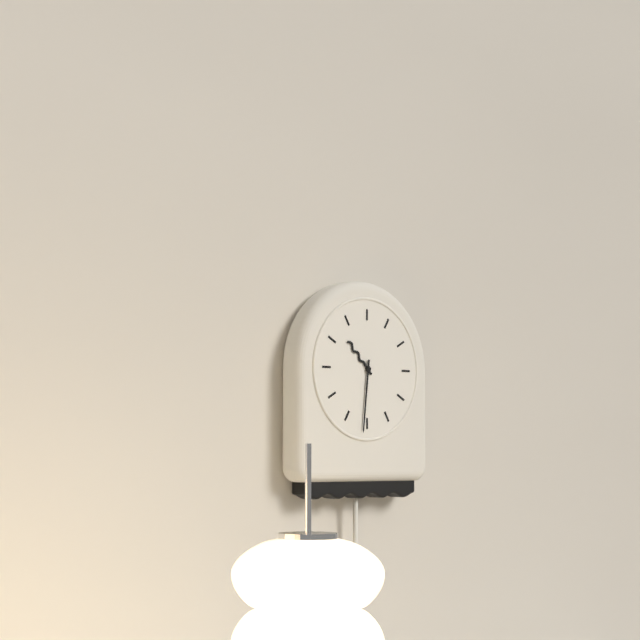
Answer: 10.31
